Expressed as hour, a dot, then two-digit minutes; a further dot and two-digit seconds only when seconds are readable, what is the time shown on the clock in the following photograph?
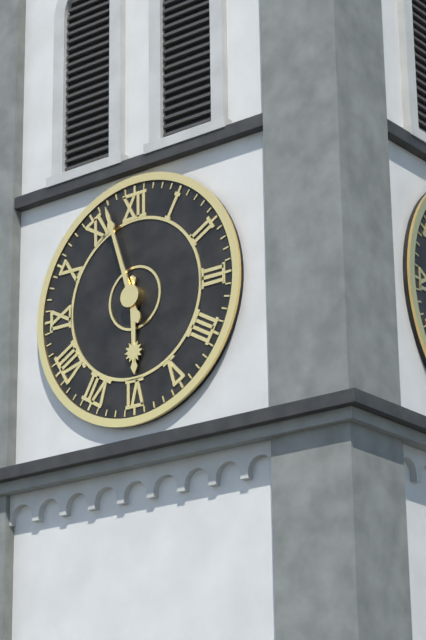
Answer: 5.57
